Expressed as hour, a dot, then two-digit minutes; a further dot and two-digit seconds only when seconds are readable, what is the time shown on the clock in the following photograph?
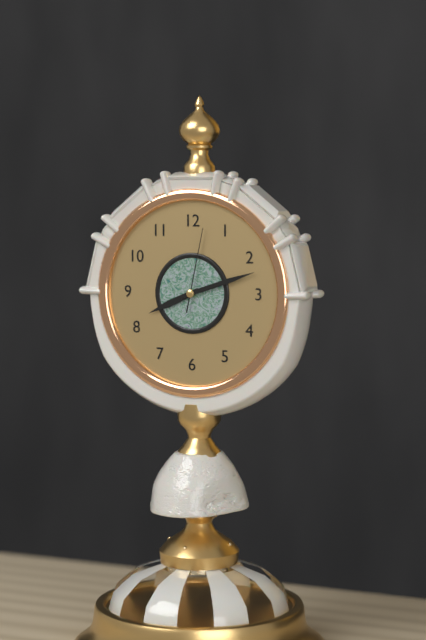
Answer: 8.12.02
